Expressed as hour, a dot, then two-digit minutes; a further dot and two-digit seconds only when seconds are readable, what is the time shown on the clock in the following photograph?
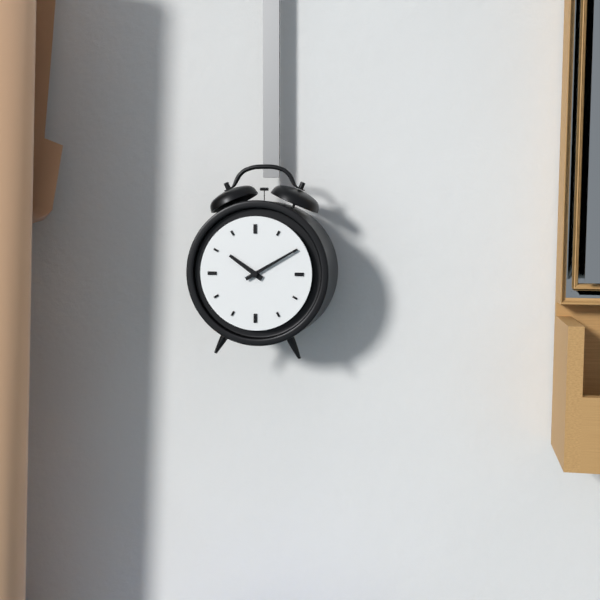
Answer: 10.10
